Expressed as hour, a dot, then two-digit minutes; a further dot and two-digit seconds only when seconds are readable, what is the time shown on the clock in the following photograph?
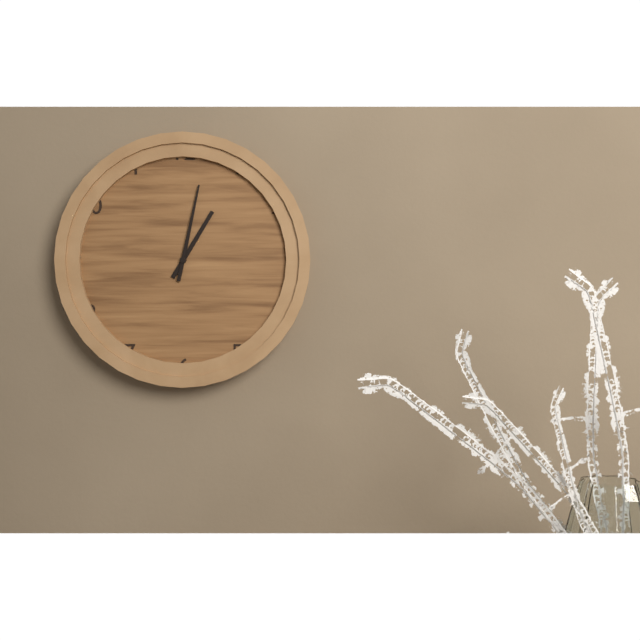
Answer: 1.02
